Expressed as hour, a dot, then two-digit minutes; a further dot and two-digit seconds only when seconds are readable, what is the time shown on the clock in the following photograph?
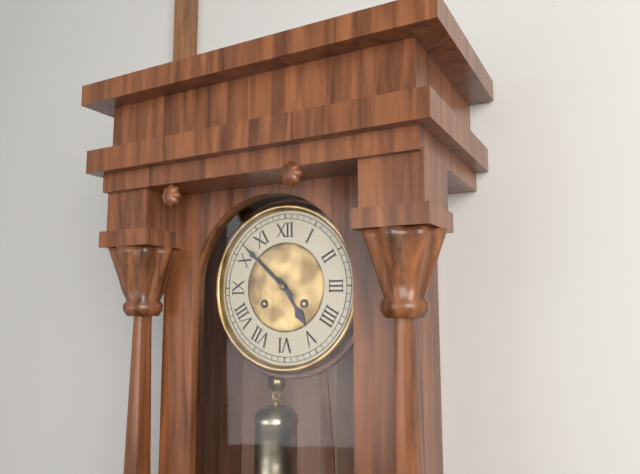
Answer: 4.52
